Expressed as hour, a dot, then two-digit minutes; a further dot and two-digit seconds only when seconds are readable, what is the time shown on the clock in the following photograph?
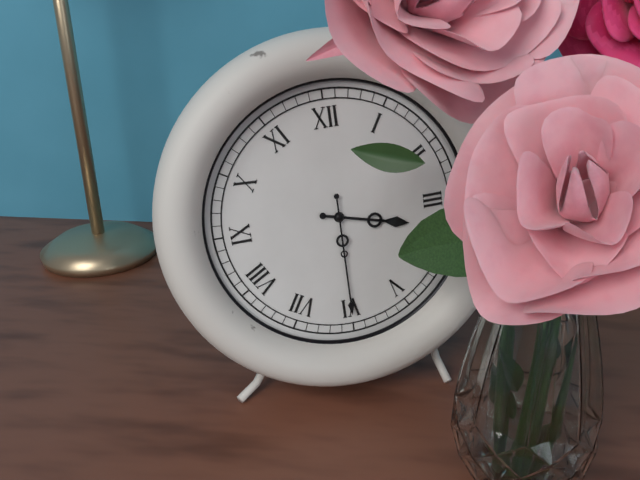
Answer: 3.30
